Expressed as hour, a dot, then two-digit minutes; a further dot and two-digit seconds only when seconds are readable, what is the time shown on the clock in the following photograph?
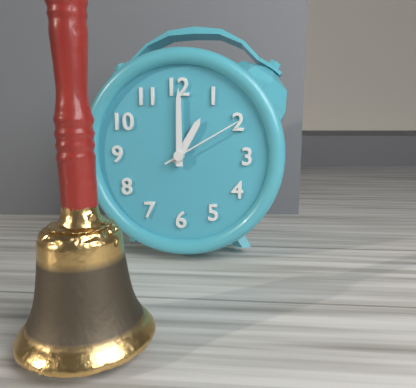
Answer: 1.00.10
